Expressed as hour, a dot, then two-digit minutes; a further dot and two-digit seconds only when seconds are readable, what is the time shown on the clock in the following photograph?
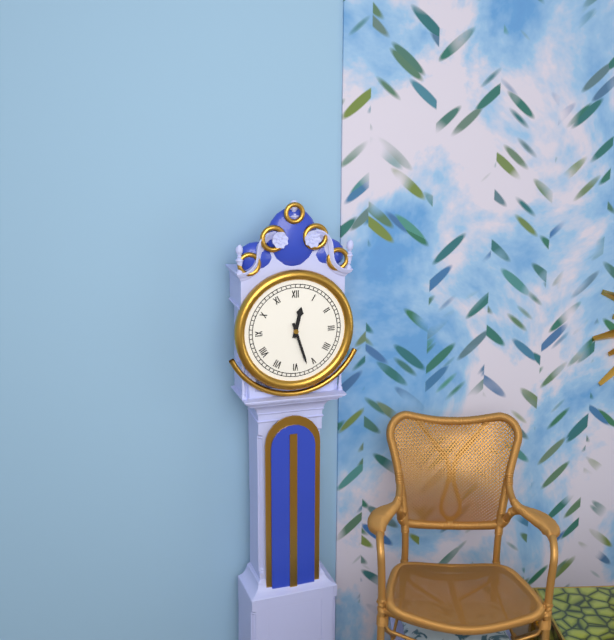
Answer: 12.27
